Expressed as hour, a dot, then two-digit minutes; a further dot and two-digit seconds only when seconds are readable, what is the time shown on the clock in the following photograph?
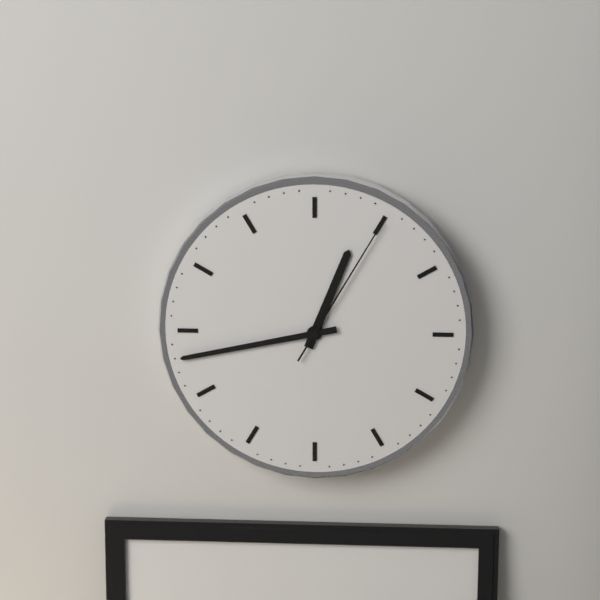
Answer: 12.43.05
